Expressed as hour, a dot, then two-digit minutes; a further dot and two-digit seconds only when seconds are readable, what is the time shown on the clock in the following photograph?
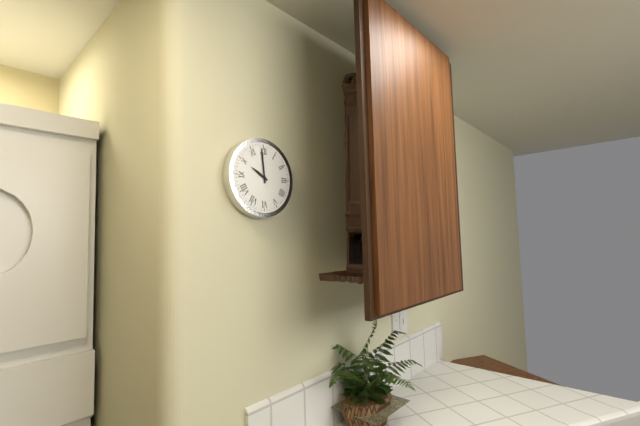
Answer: 9.59
